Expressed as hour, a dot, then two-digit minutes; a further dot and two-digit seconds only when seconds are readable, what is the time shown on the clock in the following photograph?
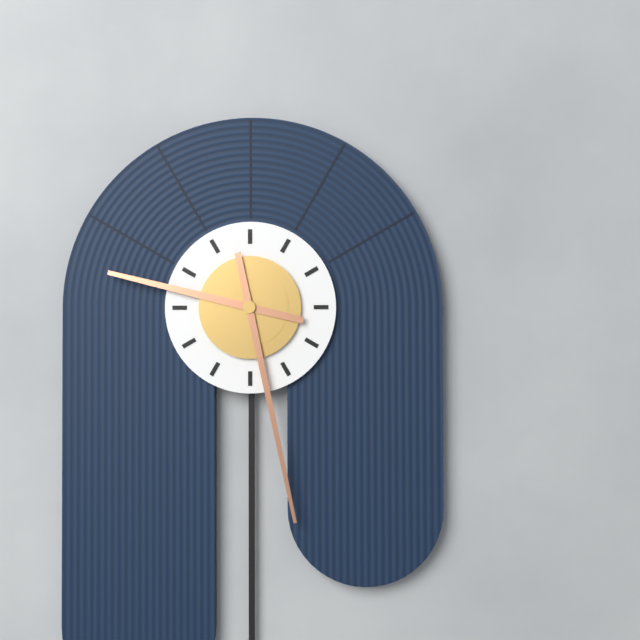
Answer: 9.28
